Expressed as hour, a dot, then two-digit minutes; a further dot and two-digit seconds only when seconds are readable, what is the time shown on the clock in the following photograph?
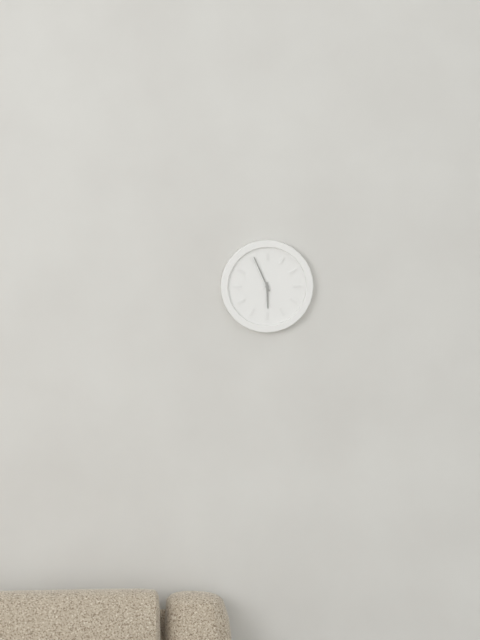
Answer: 5.56
